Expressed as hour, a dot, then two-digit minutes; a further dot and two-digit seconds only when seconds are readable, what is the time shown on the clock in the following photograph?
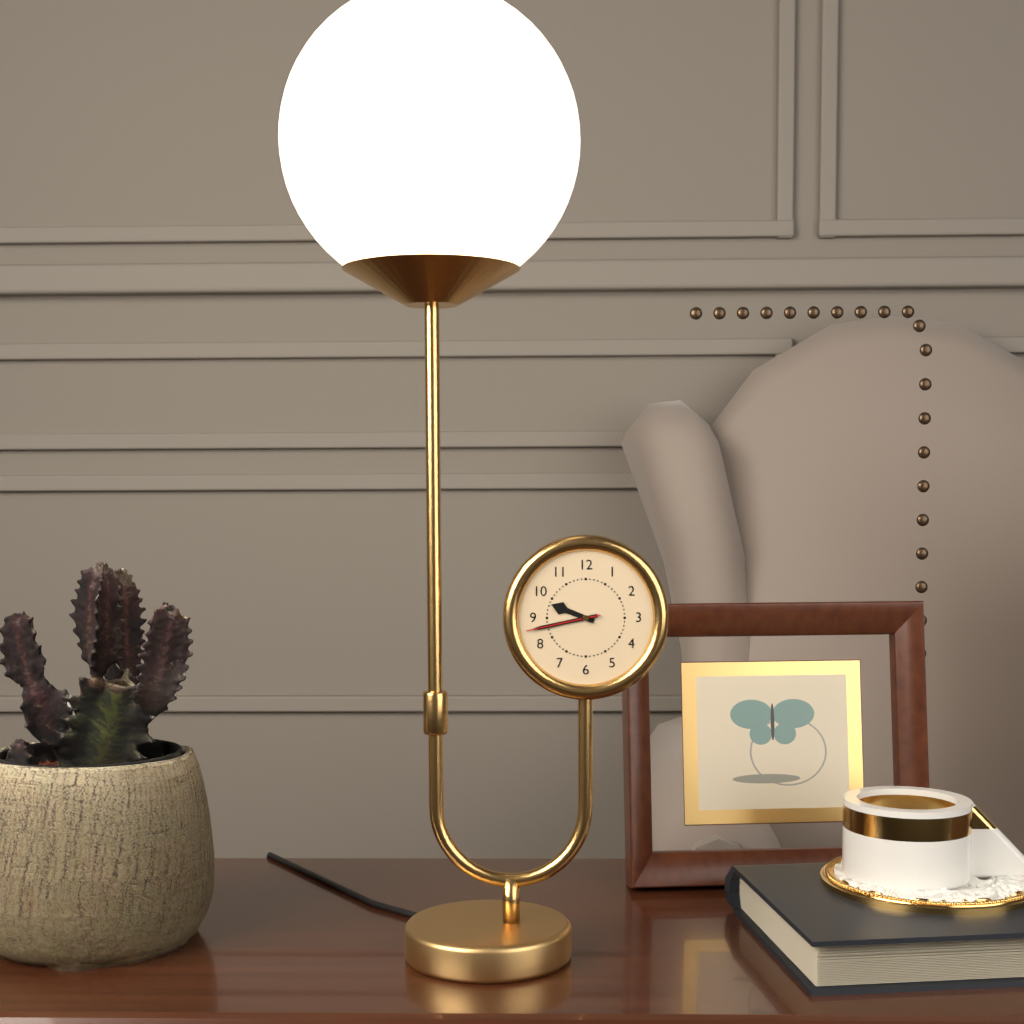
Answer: 9.43.43
